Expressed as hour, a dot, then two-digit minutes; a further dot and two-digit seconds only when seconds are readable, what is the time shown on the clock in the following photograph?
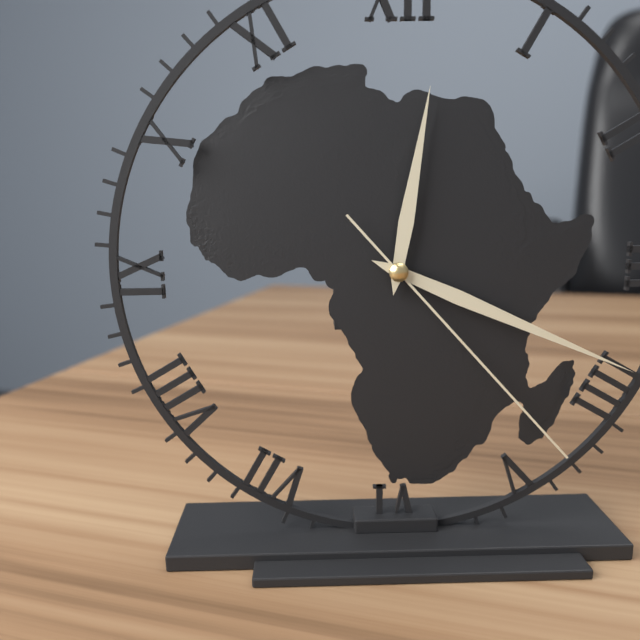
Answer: 12.19.23
